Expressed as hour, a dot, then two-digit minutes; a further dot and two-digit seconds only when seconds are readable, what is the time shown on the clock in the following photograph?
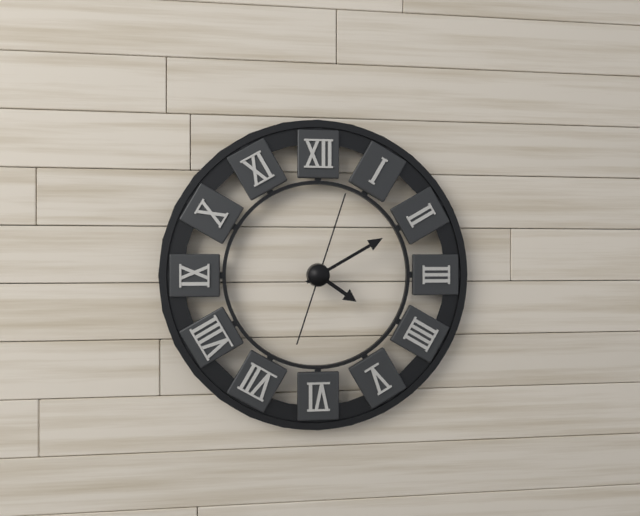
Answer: 4.10.03
